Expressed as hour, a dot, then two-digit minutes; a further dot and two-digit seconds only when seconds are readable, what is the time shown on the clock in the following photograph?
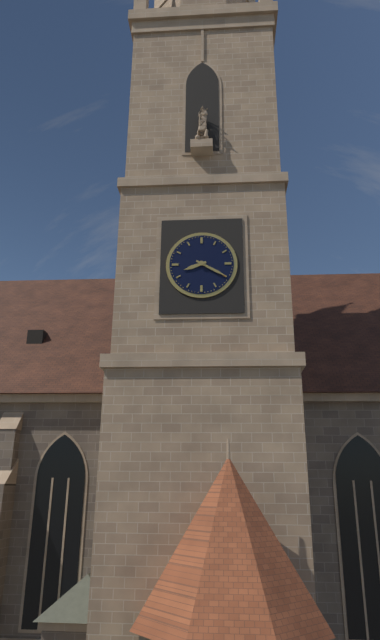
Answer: 8.20
